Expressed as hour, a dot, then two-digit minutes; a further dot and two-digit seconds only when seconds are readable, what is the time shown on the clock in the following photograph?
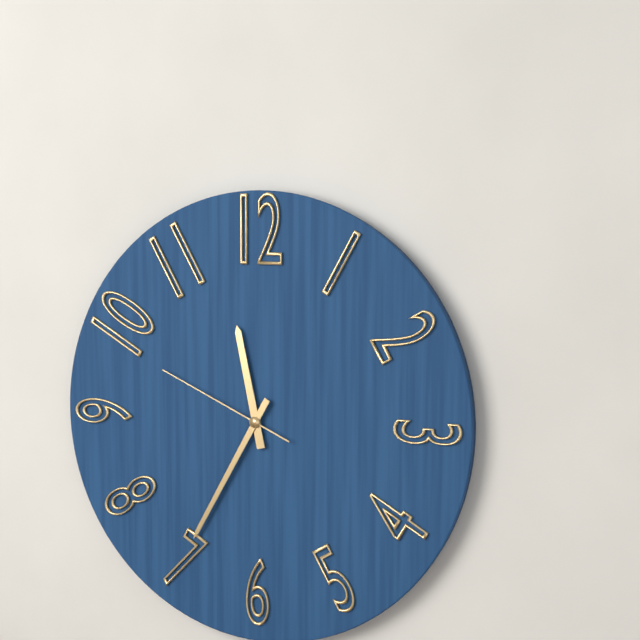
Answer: 11.35.49
